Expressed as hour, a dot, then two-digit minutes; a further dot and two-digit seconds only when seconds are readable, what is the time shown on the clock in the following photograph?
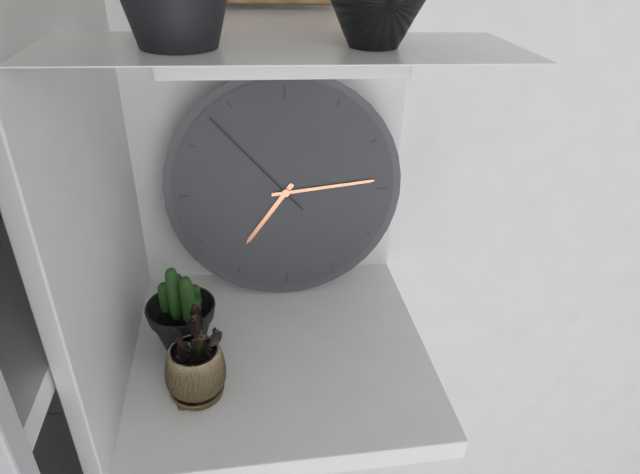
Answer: 7.14.53
